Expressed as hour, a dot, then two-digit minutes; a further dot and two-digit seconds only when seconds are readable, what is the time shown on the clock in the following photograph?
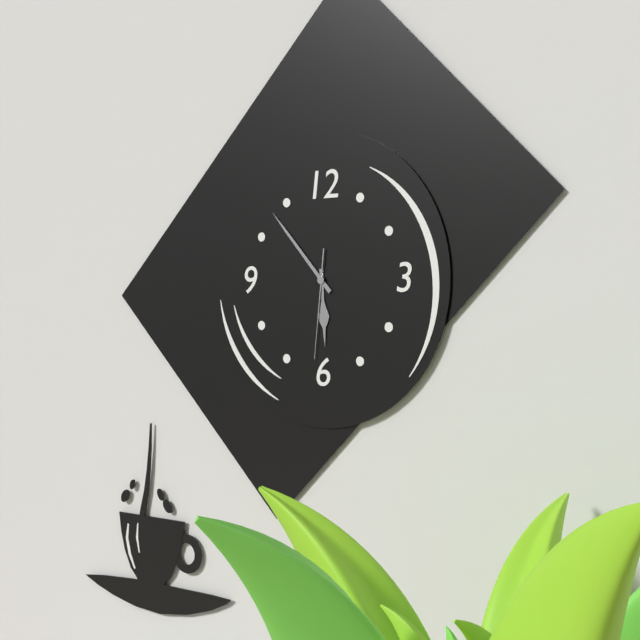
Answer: 5.53.31
